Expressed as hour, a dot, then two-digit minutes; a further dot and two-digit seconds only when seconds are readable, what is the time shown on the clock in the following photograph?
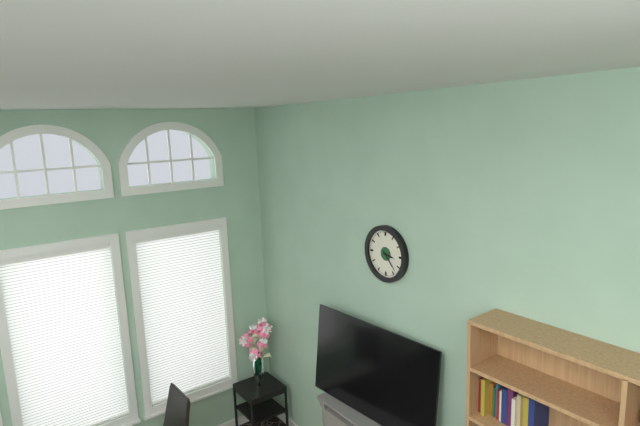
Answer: 3.23
